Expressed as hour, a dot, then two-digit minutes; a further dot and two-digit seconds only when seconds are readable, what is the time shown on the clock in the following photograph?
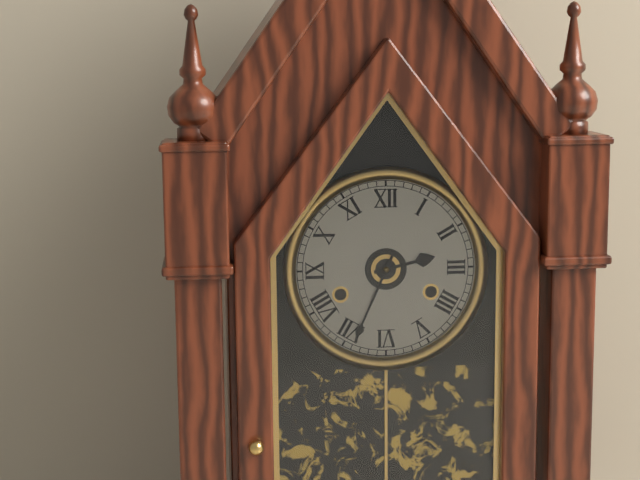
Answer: 2.34
